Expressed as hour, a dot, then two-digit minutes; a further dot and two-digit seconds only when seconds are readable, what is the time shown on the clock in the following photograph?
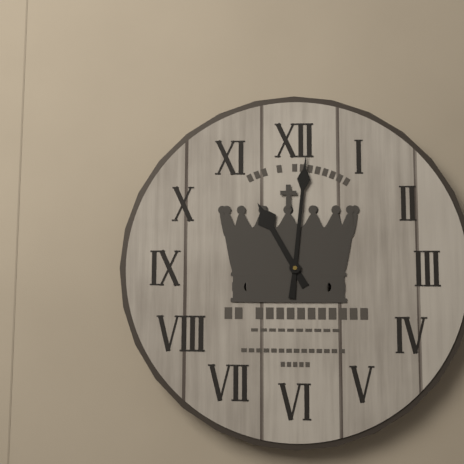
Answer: 11.01
